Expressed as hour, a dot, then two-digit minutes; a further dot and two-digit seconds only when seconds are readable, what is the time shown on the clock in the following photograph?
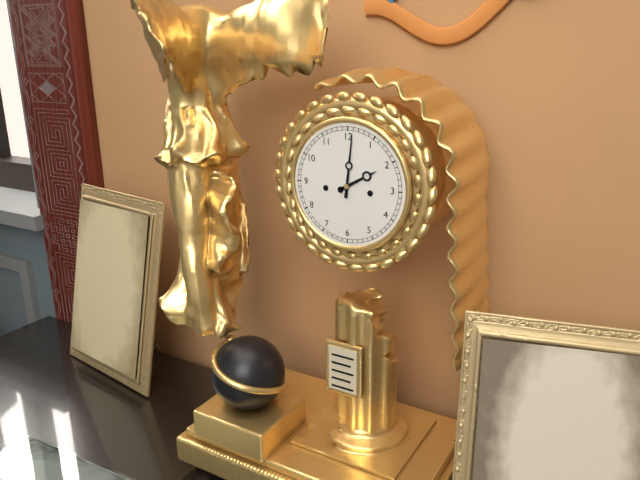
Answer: 2.01
